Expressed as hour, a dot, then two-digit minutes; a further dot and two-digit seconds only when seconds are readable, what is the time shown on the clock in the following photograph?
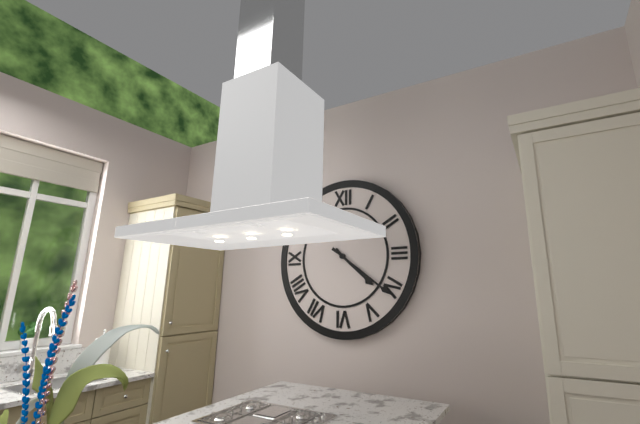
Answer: 4.21
